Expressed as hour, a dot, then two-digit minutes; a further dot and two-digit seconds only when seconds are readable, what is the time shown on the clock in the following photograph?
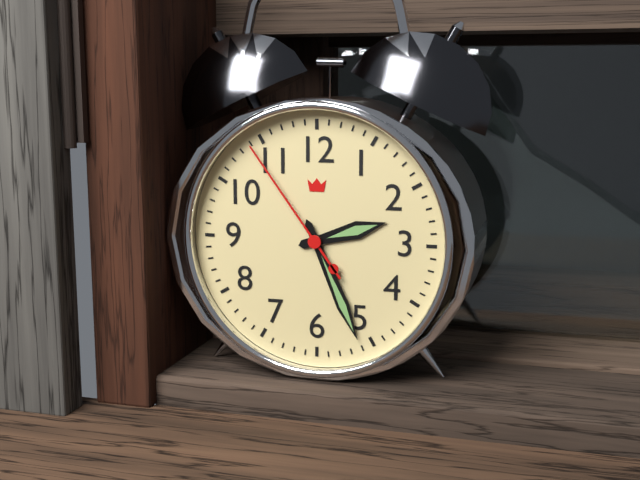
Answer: 2.26.54
